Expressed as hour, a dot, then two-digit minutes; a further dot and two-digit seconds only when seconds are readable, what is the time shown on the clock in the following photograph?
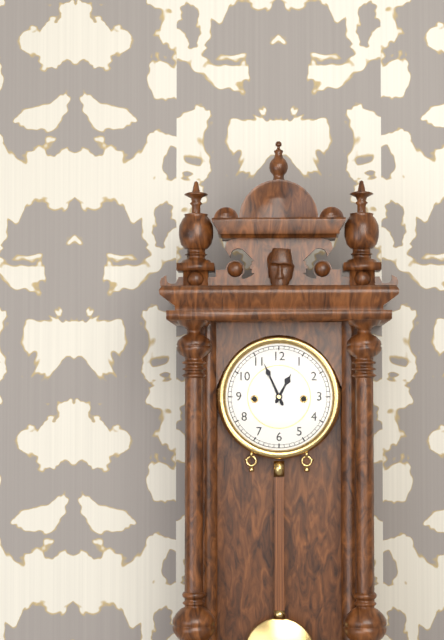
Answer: 12.56
